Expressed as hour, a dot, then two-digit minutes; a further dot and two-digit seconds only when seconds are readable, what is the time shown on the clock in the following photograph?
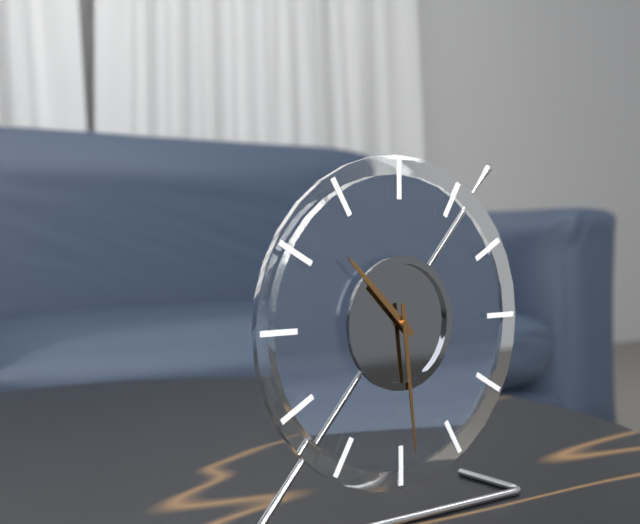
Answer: 10.29
